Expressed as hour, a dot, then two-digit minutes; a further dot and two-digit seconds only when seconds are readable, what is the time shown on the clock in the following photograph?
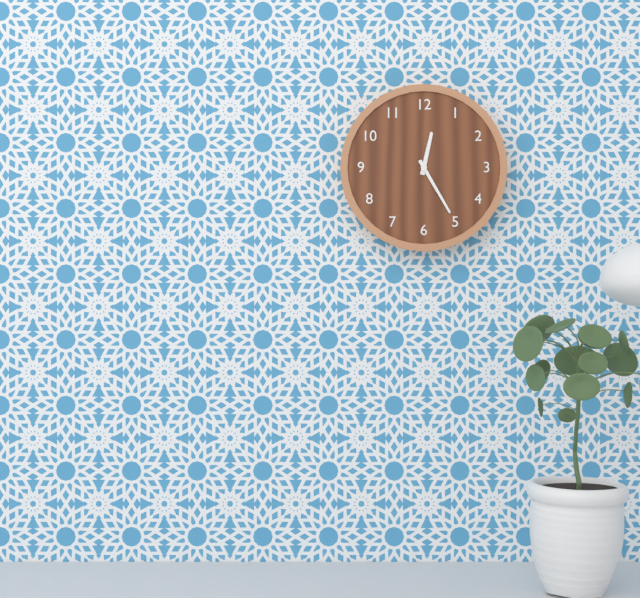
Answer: 12.25
